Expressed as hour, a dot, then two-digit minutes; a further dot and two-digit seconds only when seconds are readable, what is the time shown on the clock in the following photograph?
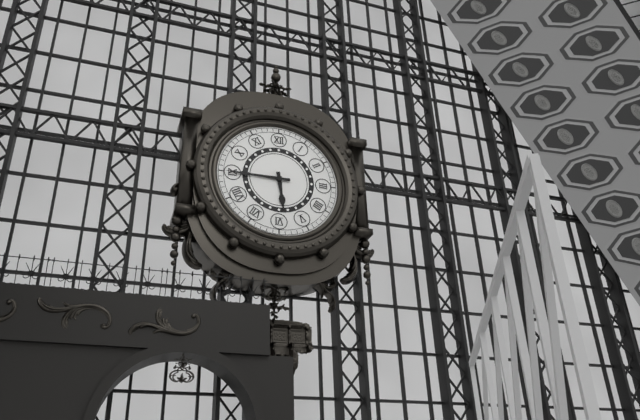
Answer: 5.45
